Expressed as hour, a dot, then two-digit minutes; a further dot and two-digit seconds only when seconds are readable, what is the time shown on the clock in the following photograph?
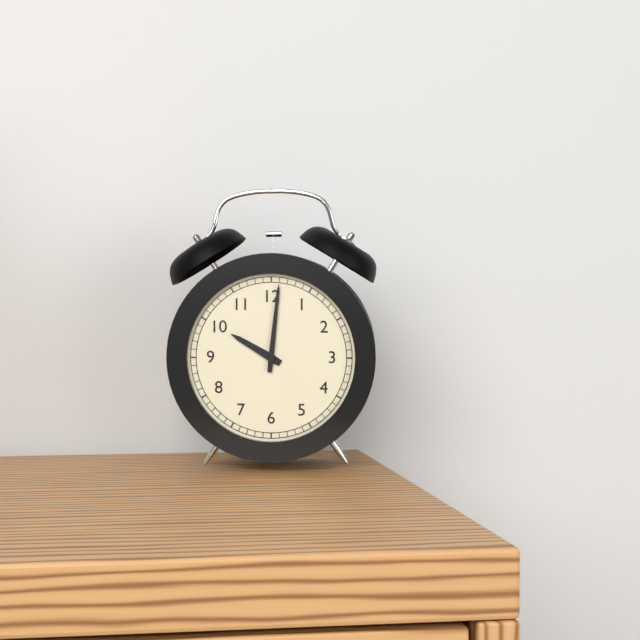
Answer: 10.01
